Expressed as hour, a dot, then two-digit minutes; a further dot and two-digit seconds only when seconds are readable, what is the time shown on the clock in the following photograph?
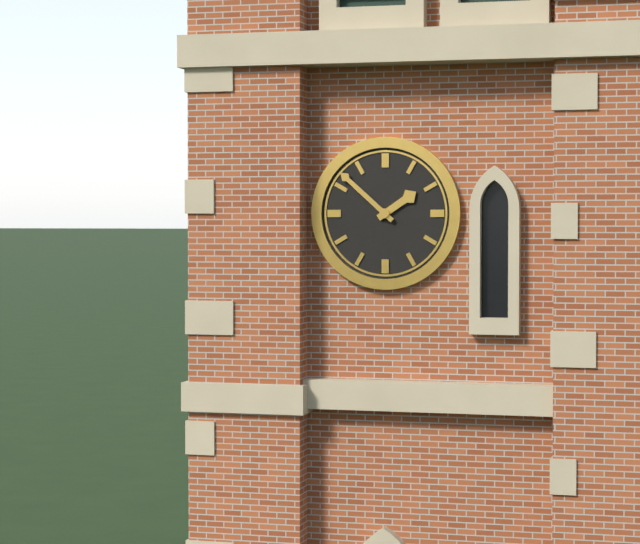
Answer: 1.52
